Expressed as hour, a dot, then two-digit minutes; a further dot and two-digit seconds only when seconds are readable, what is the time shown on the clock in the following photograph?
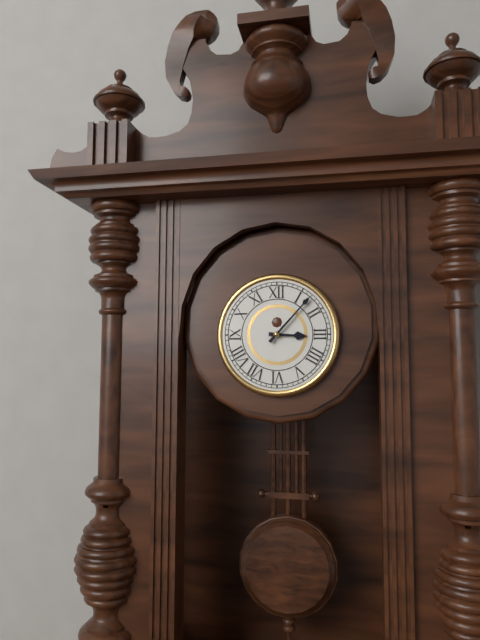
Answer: 3.07
